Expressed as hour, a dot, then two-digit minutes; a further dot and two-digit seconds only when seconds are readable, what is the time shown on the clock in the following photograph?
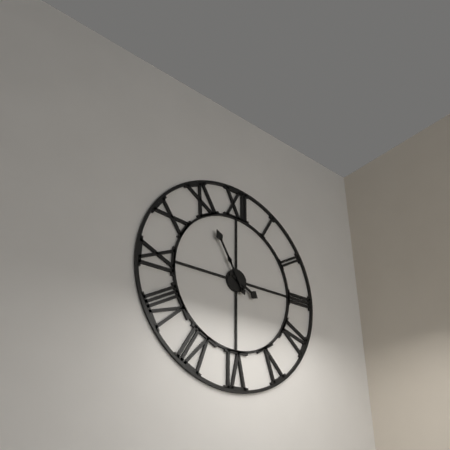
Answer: 3.55
